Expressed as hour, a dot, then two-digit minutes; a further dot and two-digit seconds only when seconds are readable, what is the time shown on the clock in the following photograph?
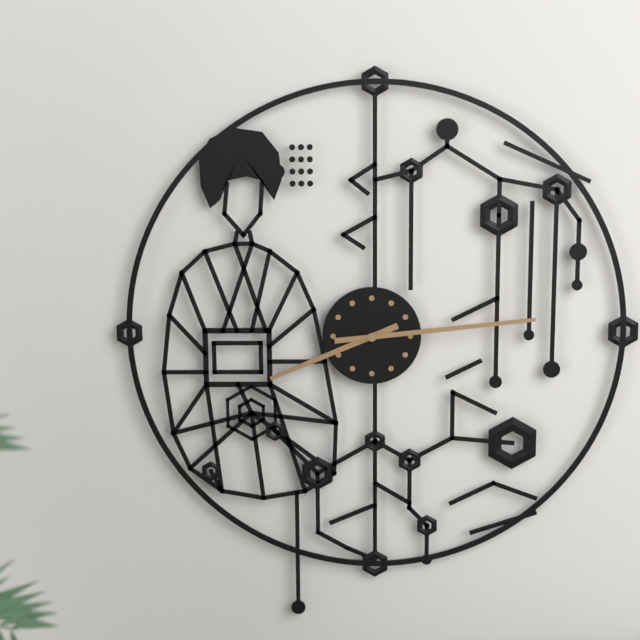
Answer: 8.14
